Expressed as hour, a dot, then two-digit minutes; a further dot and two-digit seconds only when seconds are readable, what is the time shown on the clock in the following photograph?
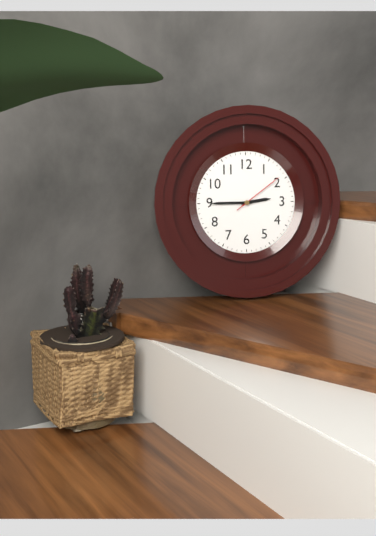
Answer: 2.45.09
